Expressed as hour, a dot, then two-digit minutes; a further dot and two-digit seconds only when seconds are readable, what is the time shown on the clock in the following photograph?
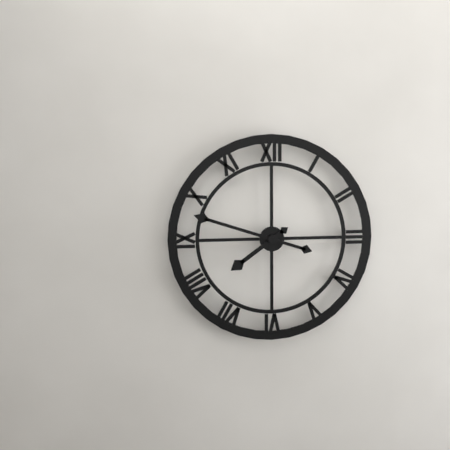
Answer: 7.48
